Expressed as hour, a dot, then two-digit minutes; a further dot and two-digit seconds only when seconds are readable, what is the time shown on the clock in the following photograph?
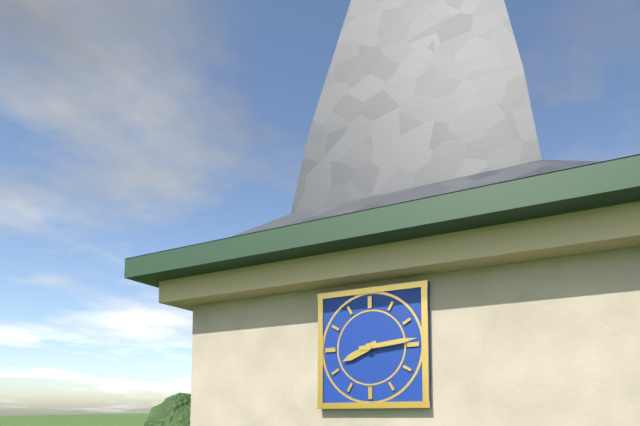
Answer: 8.14
